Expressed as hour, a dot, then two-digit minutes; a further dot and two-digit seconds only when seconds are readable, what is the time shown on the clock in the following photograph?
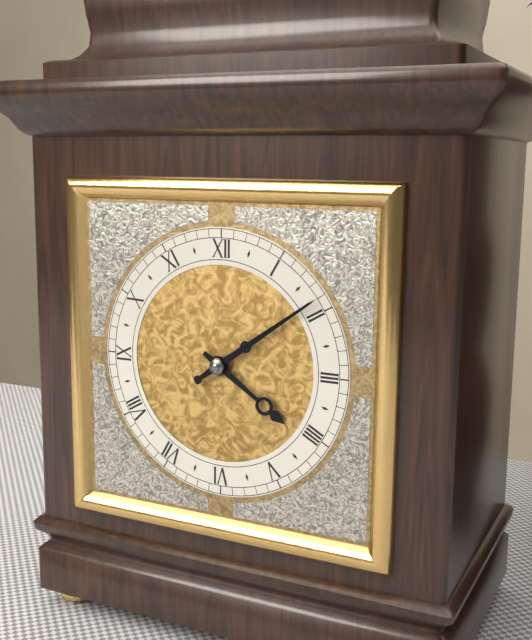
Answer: 4.09
